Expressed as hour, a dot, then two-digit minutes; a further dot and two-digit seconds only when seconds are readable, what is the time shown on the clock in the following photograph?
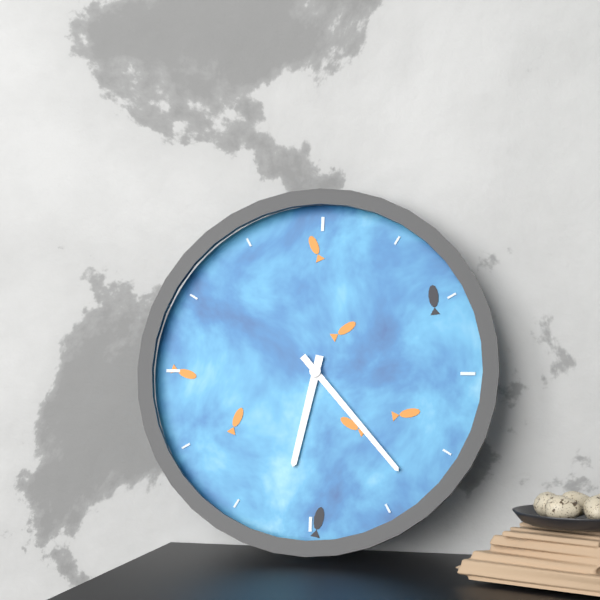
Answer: 6.23
